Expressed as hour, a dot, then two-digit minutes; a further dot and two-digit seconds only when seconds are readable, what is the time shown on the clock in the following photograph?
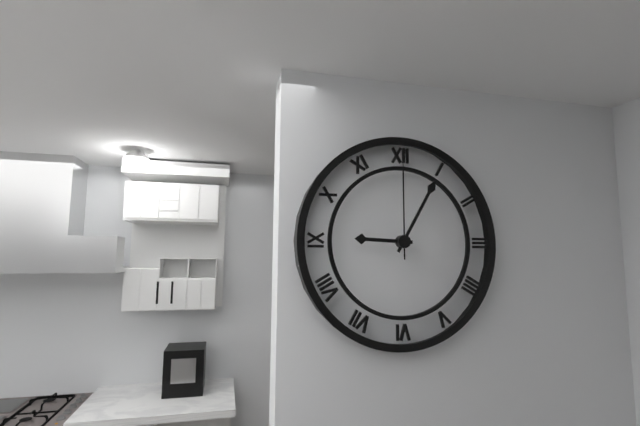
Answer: 9.05.00
